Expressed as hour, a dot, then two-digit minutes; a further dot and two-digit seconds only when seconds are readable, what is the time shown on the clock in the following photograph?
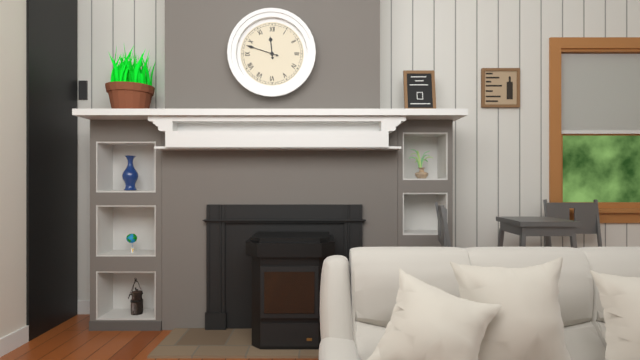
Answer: 11.48
